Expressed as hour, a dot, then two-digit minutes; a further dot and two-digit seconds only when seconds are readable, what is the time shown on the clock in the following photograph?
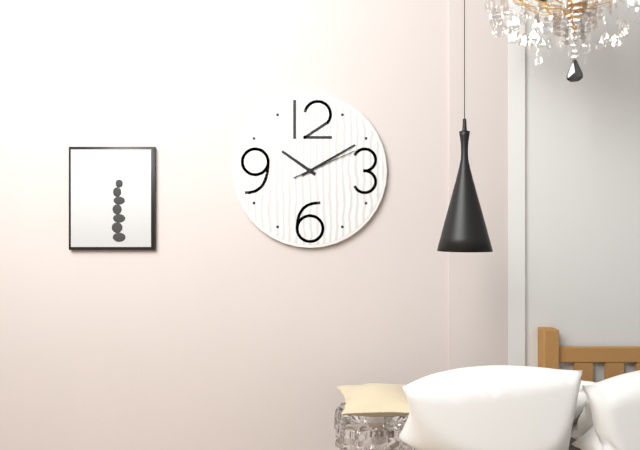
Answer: 10.10.11
